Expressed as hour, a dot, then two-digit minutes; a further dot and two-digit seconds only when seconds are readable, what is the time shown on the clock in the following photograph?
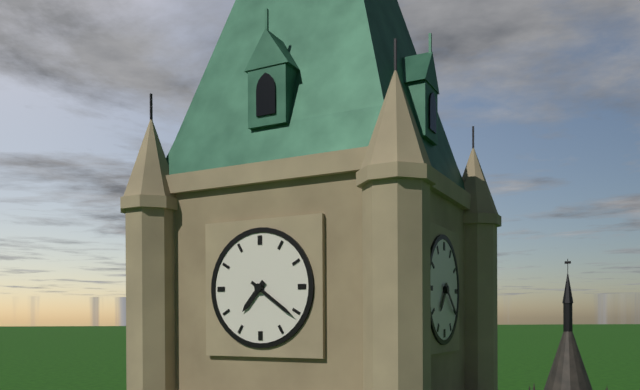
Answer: 7.21
